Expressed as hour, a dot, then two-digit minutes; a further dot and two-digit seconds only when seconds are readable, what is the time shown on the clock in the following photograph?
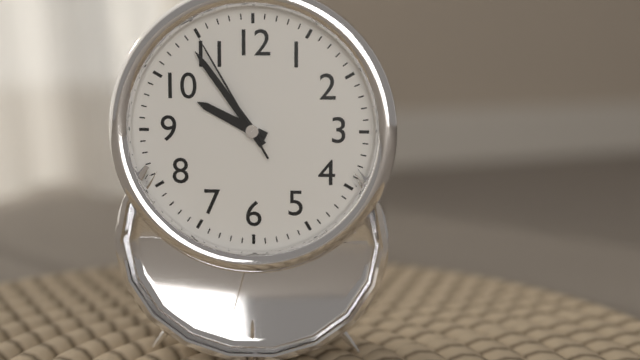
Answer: 9.54.55
